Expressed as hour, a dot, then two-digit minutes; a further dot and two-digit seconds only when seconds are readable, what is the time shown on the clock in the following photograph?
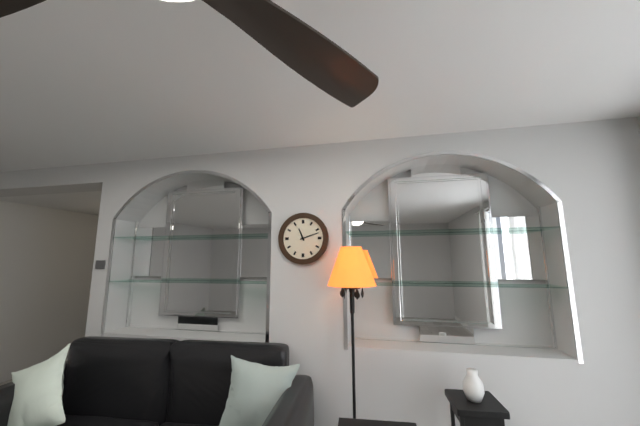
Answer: 11.12
